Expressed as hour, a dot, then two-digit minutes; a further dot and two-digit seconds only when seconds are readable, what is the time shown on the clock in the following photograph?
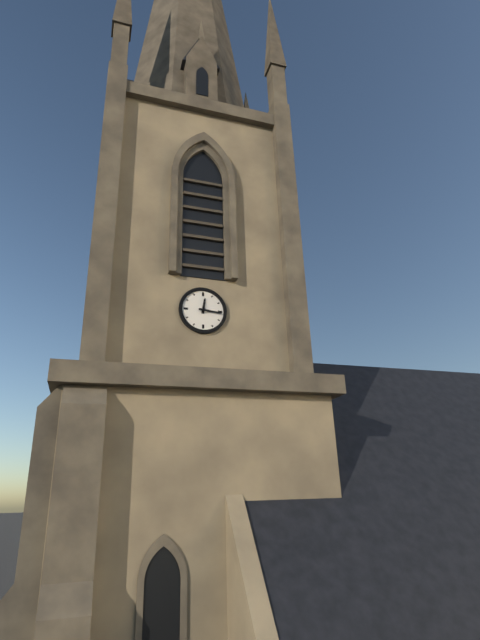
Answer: 12.16
